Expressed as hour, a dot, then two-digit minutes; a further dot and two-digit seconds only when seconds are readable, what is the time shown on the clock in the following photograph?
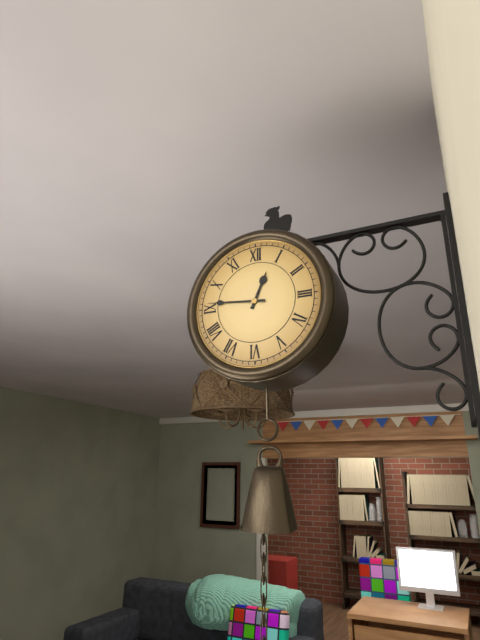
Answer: 12.46
